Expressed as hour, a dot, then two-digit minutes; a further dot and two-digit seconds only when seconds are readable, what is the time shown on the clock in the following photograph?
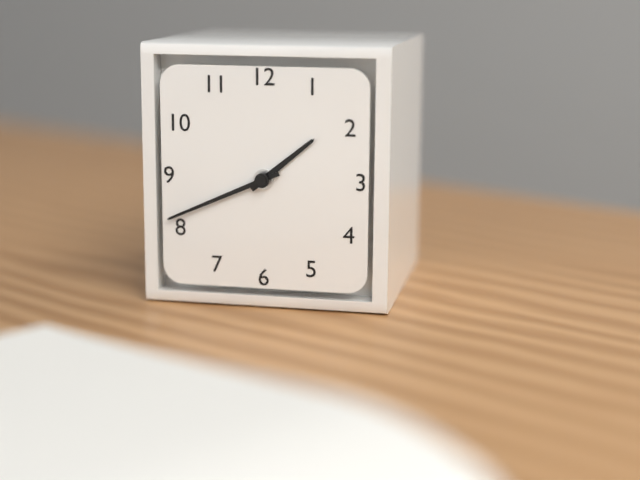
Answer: 1.41
